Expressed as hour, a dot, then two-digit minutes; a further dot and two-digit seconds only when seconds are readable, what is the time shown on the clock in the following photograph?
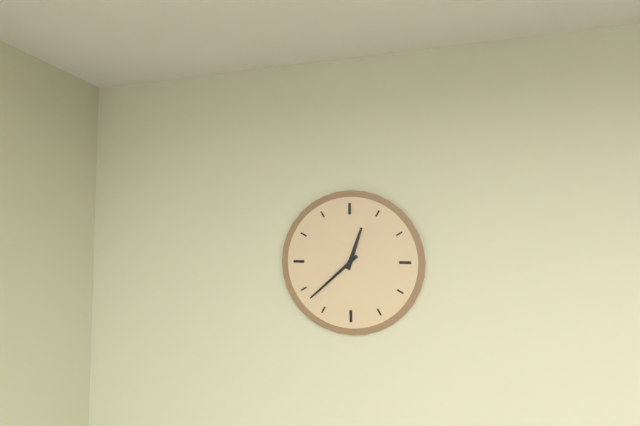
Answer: 12.38
